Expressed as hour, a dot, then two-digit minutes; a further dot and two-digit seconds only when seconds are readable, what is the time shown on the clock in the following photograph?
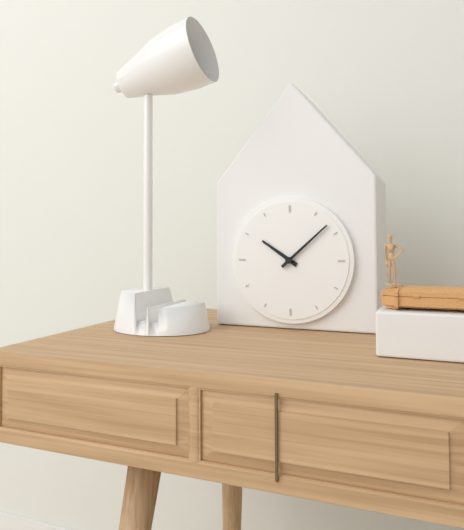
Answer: 10.08
